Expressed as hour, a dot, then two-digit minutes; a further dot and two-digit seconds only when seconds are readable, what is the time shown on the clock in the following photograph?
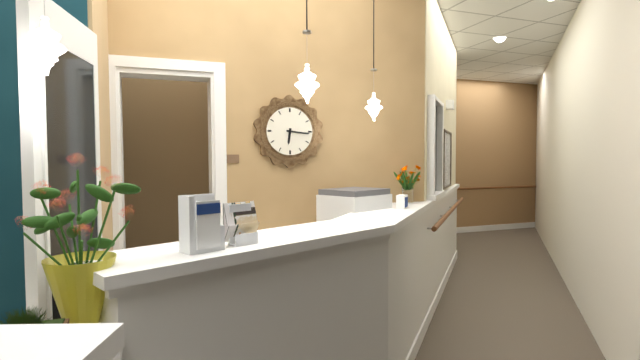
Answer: 6.16
